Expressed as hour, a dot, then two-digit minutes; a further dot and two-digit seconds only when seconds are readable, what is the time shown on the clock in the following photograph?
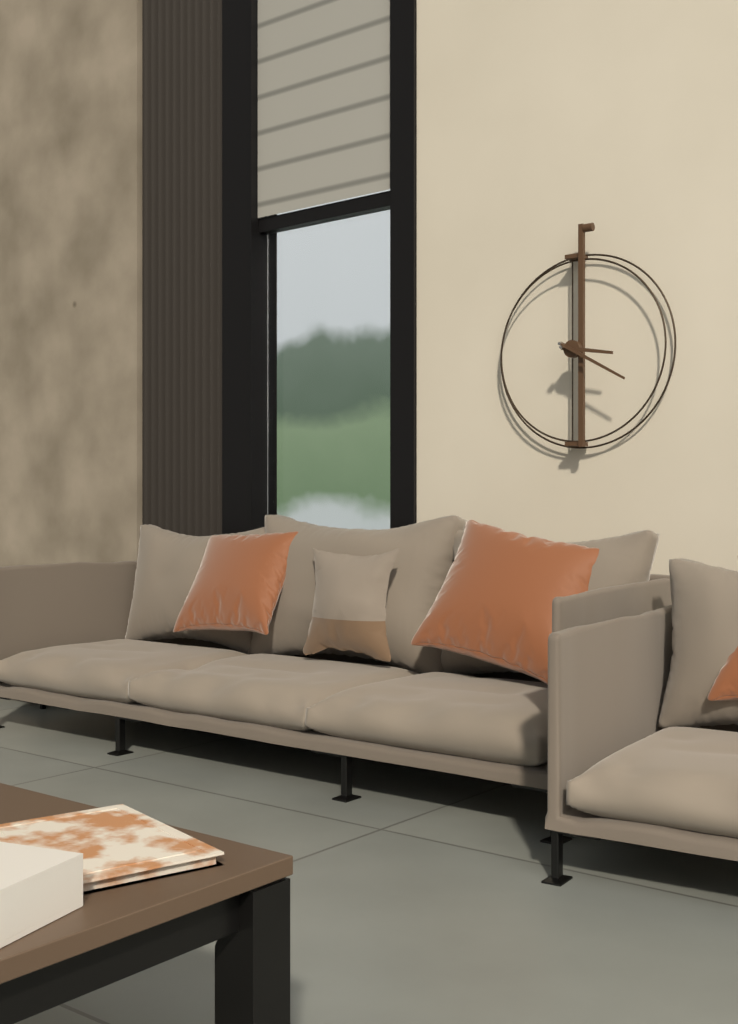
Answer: 3.20
